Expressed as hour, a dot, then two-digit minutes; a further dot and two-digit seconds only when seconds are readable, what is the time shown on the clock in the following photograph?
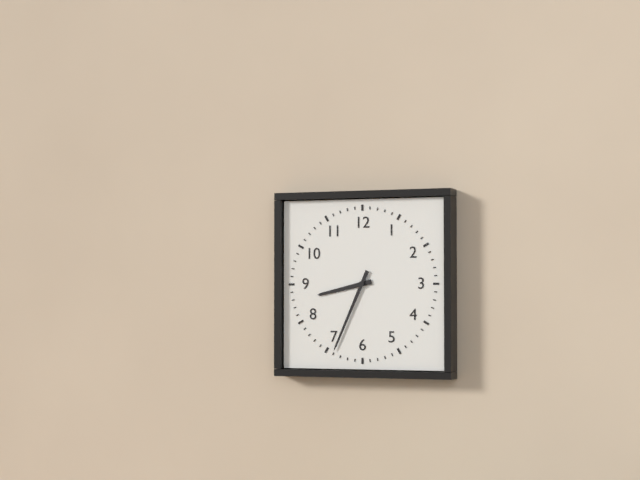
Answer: 8.34
